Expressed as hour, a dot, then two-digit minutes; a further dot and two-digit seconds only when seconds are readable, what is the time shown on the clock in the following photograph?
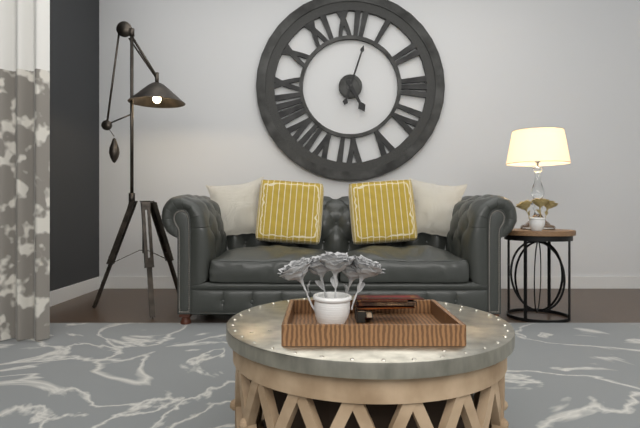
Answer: 5.03
